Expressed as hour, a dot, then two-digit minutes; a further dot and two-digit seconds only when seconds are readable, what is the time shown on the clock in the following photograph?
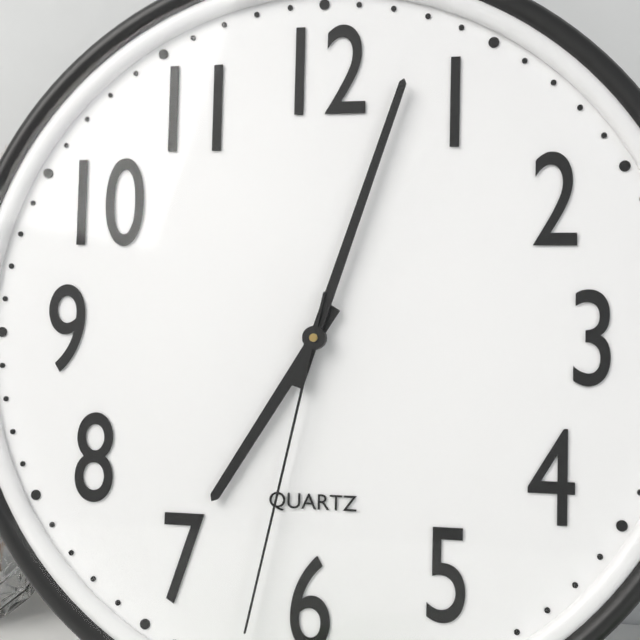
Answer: 7.03.32
